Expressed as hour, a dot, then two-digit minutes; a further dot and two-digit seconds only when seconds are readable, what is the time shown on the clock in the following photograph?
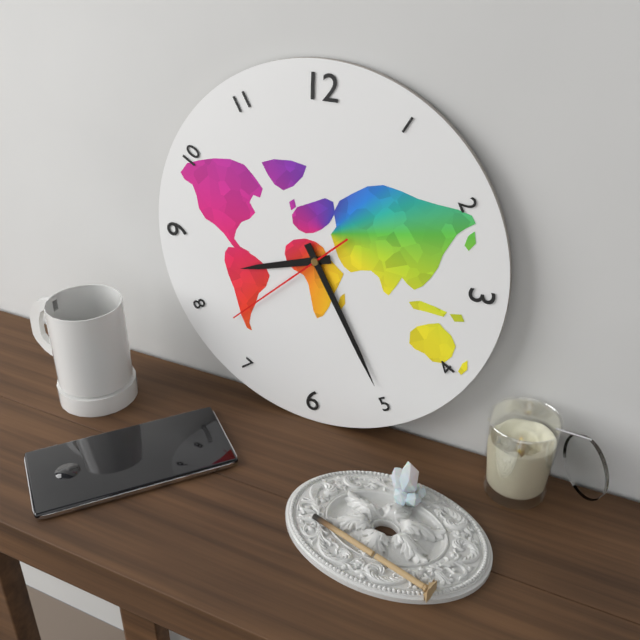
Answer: 8.25.38
